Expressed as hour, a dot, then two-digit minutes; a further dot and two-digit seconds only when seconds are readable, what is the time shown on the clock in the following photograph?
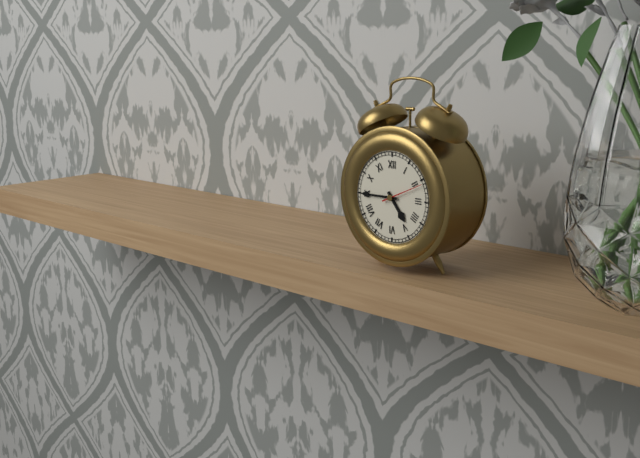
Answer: 4.45
